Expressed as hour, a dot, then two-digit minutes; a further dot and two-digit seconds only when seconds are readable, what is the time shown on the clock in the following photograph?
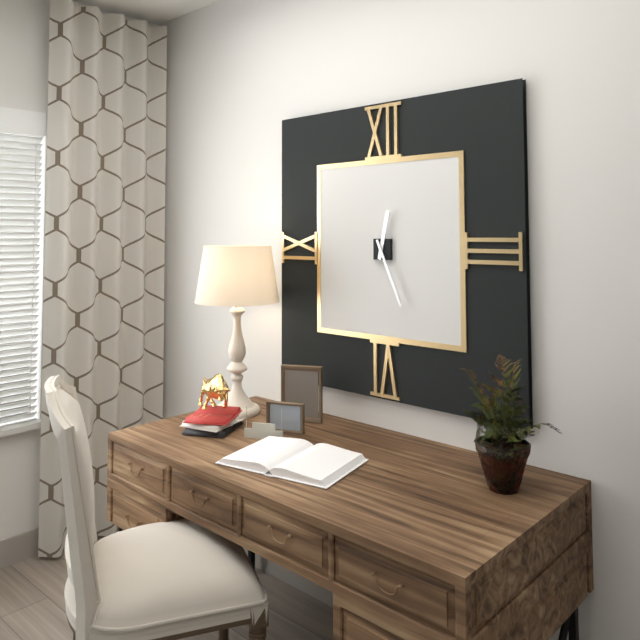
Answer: 12.26
